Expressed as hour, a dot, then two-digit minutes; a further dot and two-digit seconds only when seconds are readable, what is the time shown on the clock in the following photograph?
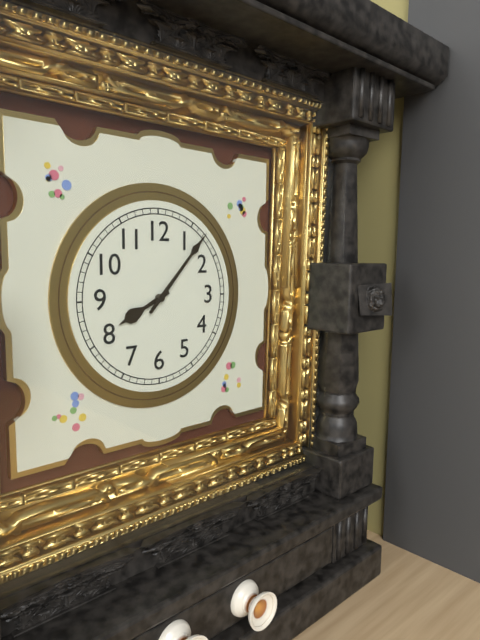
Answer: 8.07
